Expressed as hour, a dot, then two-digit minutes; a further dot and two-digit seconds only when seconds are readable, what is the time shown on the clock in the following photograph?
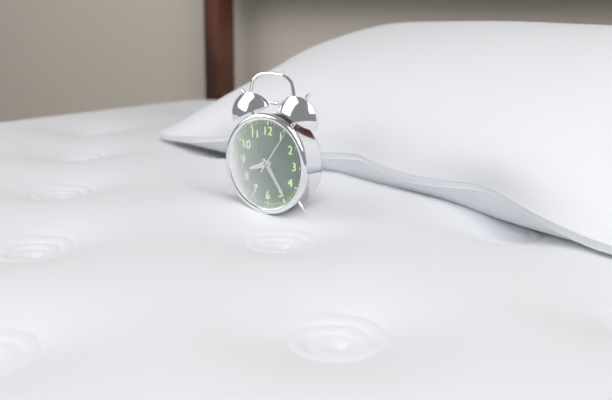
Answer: 8.24
